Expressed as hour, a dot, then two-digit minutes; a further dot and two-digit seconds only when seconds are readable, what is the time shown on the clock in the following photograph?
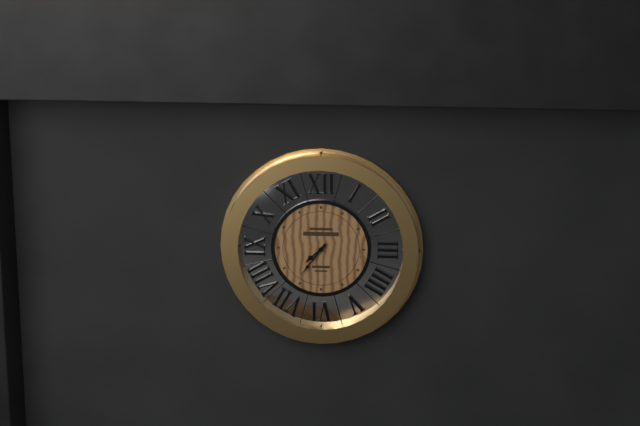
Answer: 7.36
